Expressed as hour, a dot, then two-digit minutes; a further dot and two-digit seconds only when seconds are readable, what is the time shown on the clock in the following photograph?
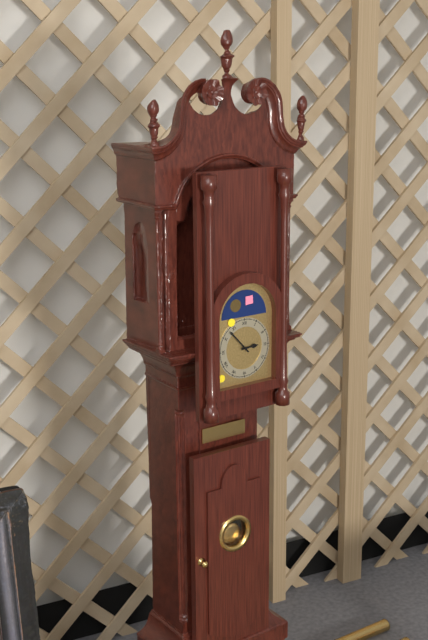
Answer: 2.53
